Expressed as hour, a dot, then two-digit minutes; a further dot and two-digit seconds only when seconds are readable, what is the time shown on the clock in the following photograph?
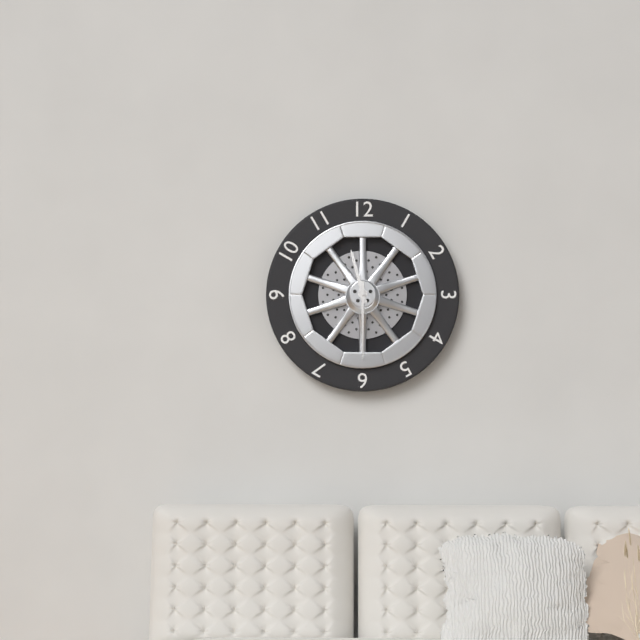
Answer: 11.30
